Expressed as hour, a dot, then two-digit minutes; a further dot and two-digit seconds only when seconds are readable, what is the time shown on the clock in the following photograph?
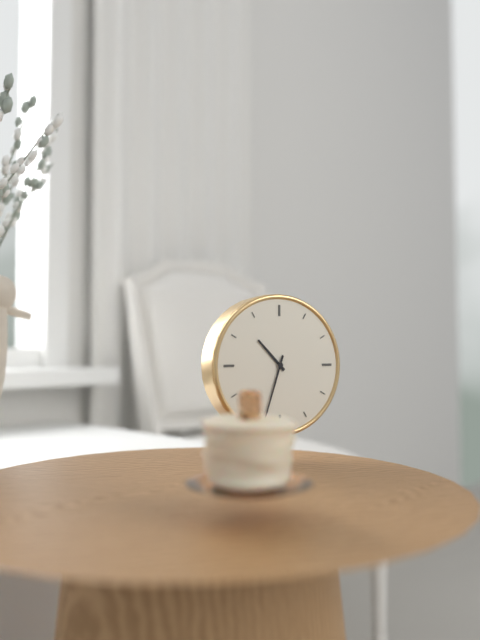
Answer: 10.33
